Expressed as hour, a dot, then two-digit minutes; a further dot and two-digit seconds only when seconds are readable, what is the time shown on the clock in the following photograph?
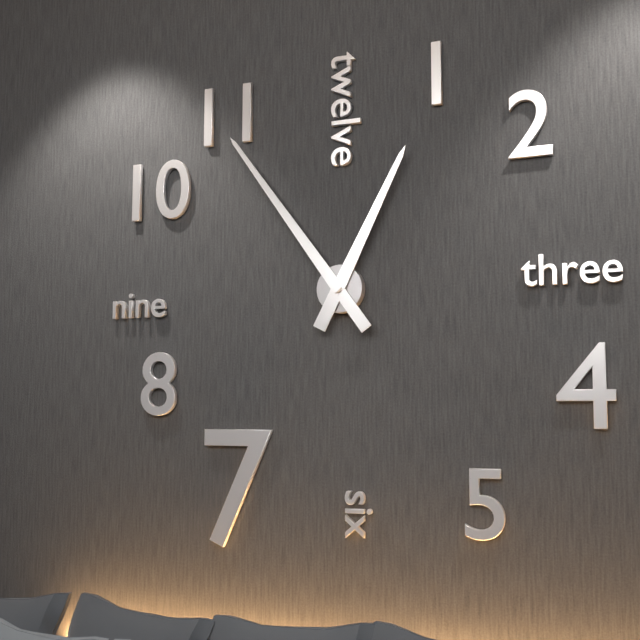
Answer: 12.54
